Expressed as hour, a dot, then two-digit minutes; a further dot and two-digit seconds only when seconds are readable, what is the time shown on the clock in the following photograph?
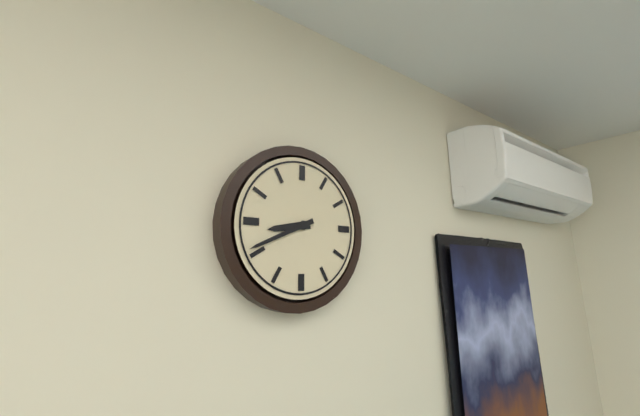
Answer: 8.41
